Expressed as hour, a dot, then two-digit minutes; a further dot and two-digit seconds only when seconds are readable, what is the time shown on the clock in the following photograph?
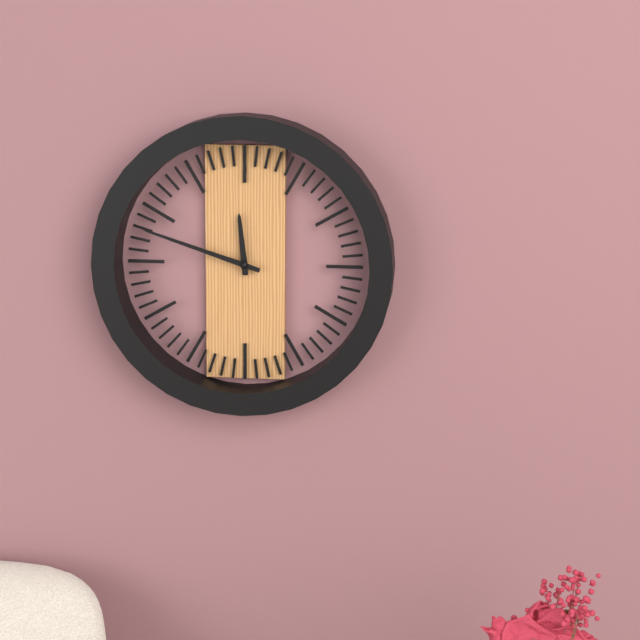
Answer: 11.48
